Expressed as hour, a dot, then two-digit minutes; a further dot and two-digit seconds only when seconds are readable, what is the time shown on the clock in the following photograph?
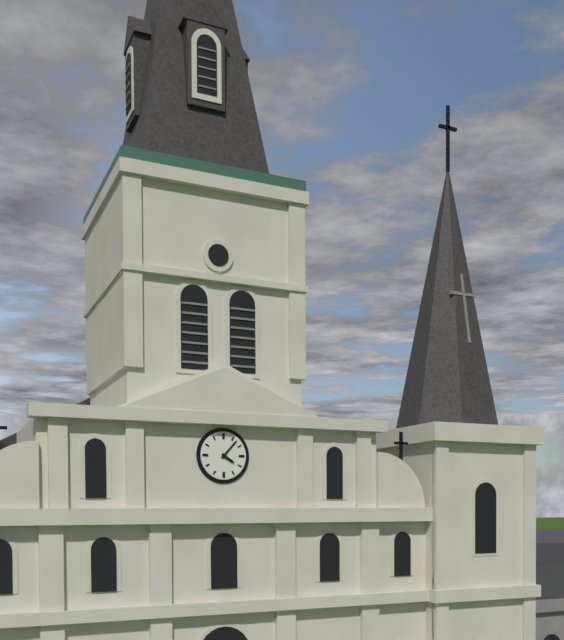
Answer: 4.07
